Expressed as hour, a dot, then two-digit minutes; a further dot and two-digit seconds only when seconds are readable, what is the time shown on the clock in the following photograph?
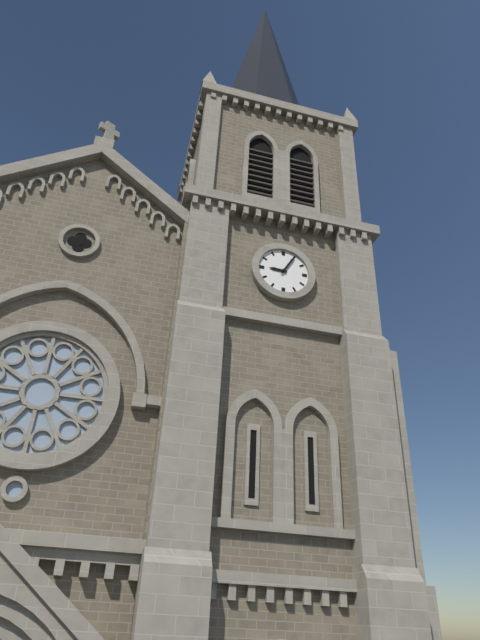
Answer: 9.05
